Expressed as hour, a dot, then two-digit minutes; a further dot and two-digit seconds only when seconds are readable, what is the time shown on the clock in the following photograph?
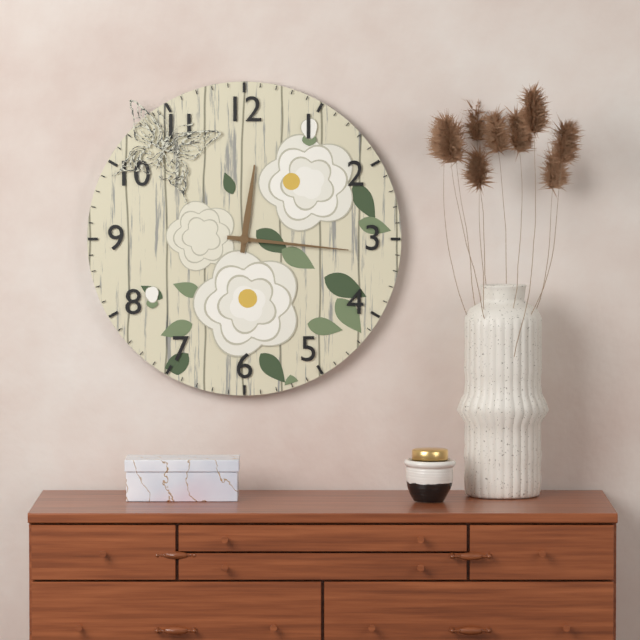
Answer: 12.16
